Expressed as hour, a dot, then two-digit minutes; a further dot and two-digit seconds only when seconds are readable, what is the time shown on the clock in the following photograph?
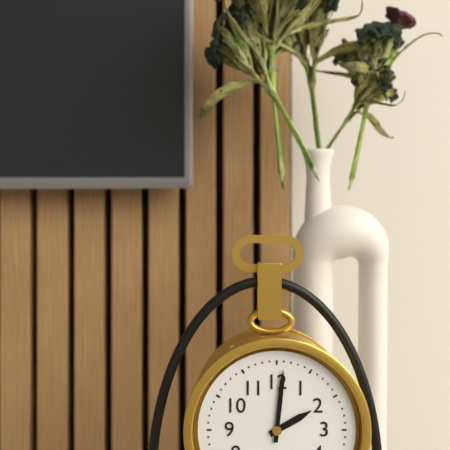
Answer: 2.01
